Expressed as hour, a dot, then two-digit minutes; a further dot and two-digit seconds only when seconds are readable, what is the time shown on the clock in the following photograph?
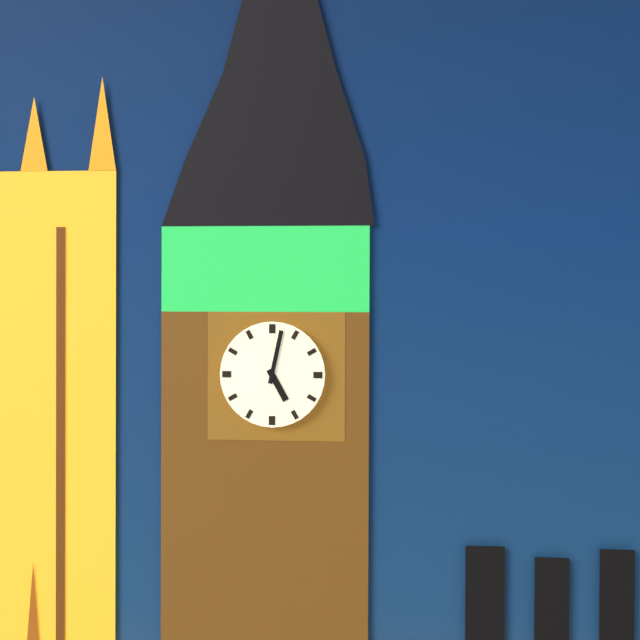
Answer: 5.02
